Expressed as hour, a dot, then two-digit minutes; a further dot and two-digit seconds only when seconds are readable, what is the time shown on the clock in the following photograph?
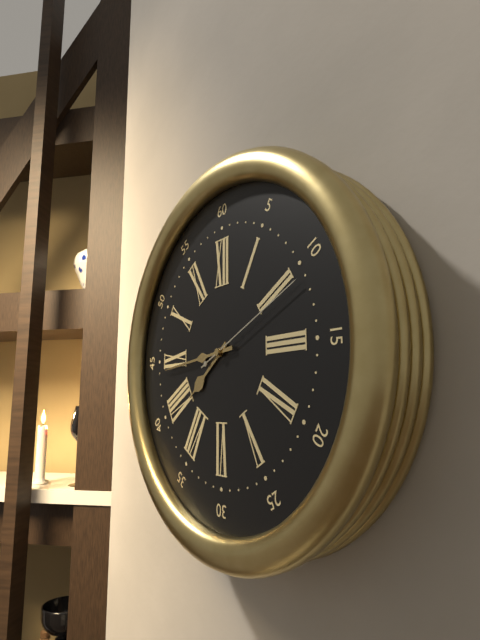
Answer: 7.44.11
